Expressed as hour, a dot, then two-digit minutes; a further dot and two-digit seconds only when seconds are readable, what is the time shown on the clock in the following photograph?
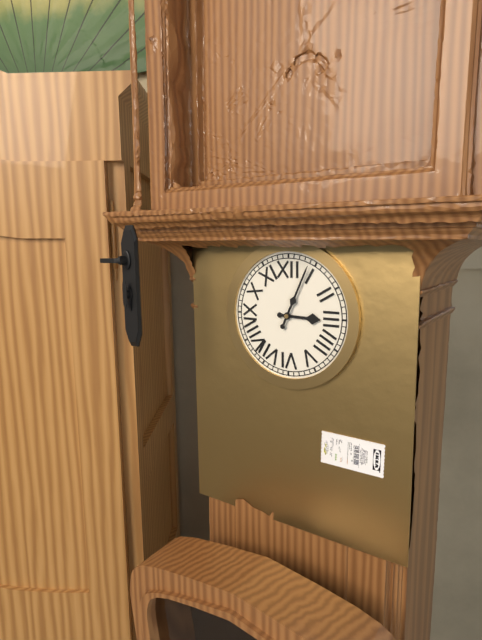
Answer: 3.04
